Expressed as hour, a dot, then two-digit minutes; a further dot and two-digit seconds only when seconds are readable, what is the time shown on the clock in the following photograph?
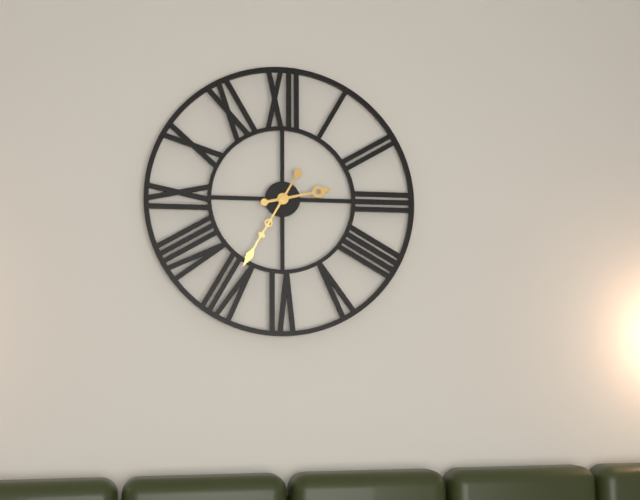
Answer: 2.35
